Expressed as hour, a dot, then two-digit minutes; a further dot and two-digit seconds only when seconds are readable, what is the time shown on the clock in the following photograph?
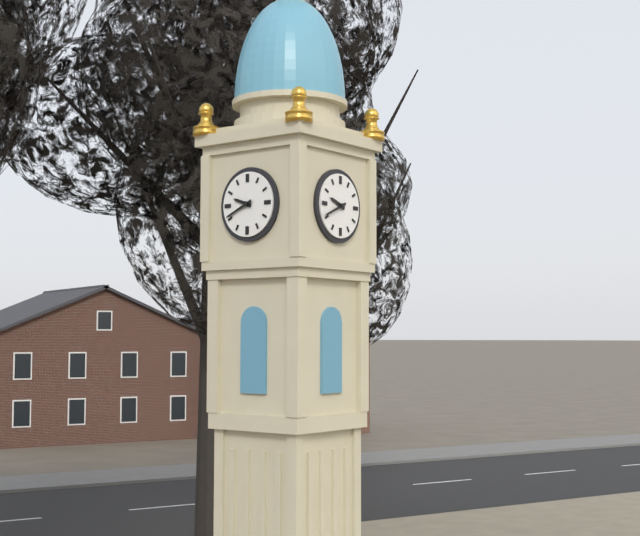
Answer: 9.41
